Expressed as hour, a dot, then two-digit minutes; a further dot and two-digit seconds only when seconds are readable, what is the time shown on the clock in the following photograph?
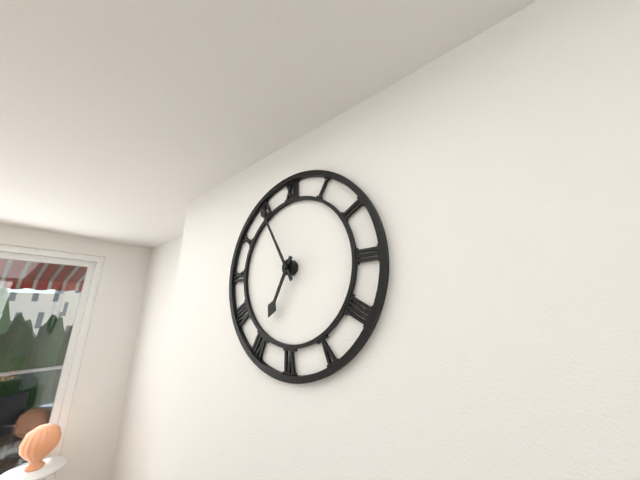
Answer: 6.55
